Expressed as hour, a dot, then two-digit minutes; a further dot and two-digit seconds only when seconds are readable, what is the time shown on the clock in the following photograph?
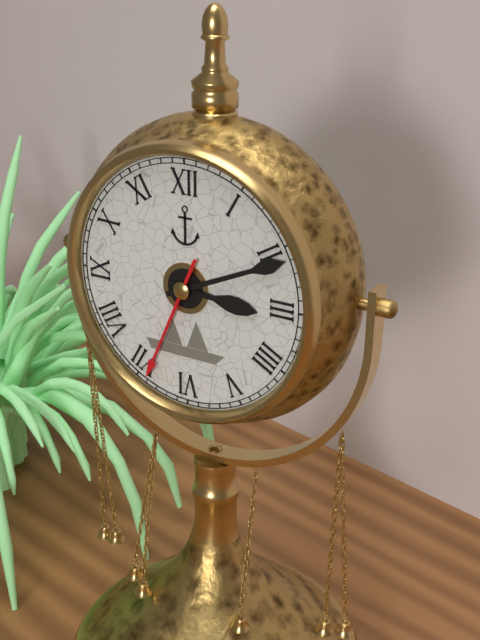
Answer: 3.11.34
